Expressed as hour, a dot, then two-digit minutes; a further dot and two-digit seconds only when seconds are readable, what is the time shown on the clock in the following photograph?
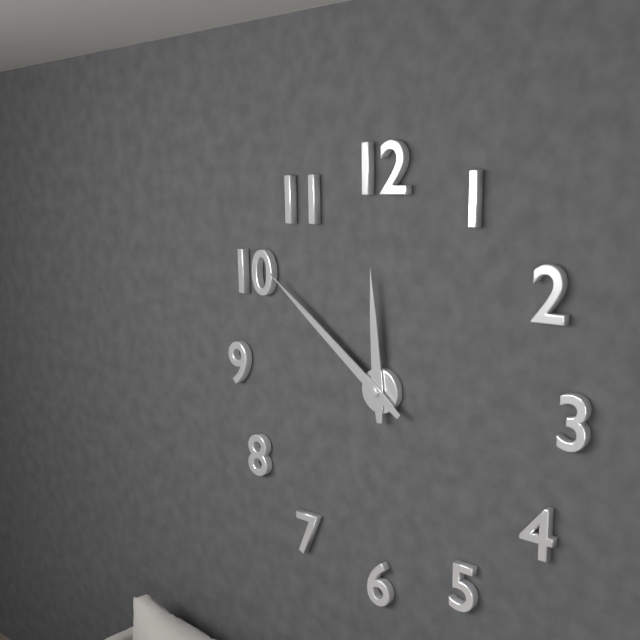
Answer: 11.51
